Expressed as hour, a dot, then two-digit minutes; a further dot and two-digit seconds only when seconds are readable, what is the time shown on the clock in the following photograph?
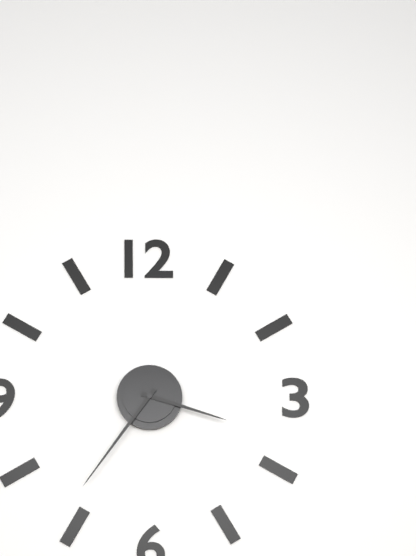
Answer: 3.36
